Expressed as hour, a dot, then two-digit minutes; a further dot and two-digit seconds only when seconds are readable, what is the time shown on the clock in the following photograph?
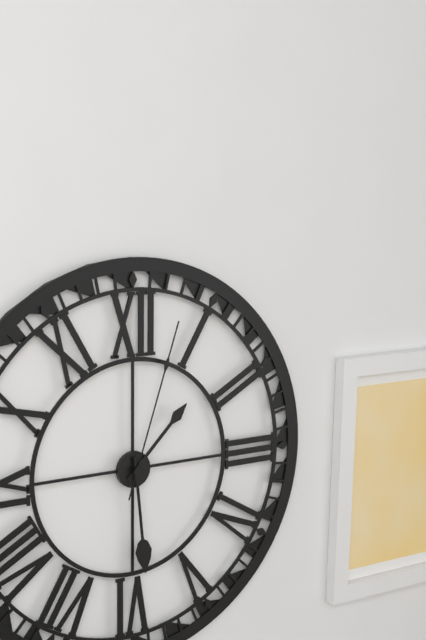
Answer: 1.29.03
